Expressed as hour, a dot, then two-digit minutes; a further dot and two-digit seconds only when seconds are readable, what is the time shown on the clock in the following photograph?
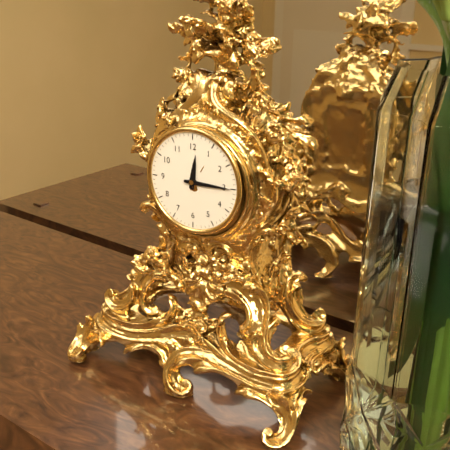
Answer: 12.15
